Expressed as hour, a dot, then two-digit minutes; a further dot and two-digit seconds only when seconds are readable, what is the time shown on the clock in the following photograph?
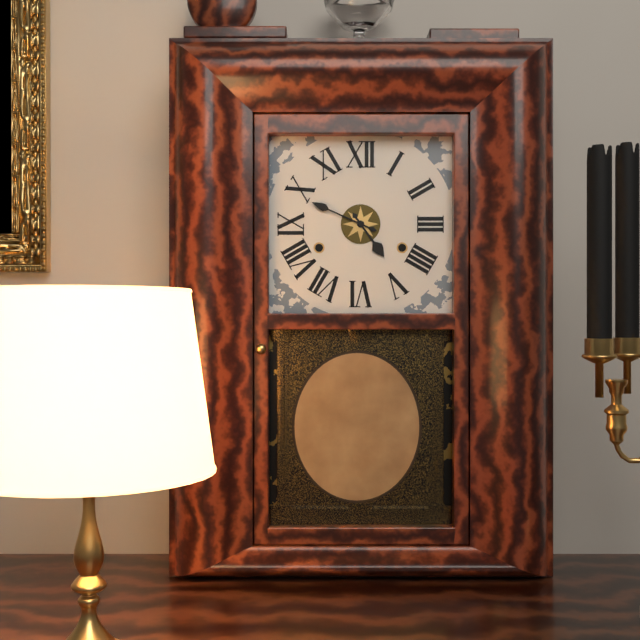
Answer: 4.49
